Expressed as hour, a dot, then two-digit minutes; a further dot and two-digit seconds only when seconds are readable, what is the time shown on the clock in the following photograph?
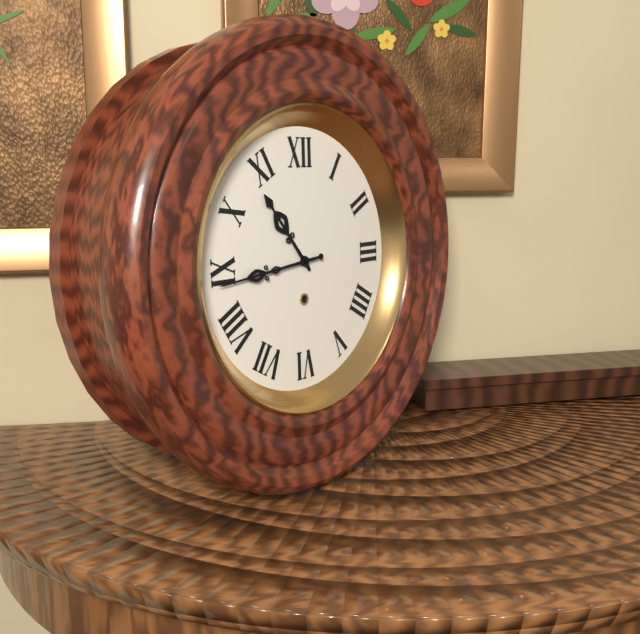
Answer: 10.44
